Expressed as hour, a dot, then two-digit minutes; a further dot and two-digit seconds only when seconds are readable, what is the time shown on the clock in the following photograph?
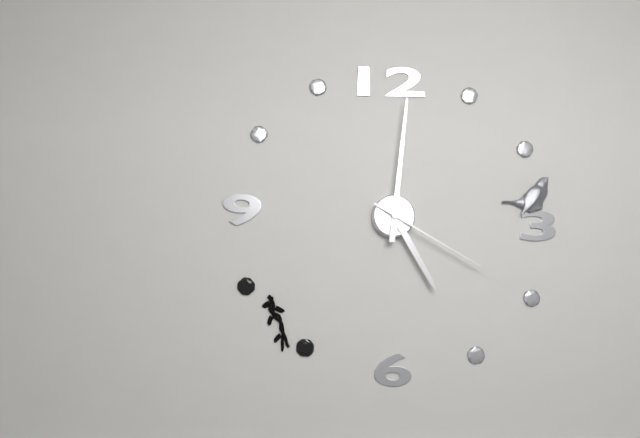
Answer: 5.01.20
